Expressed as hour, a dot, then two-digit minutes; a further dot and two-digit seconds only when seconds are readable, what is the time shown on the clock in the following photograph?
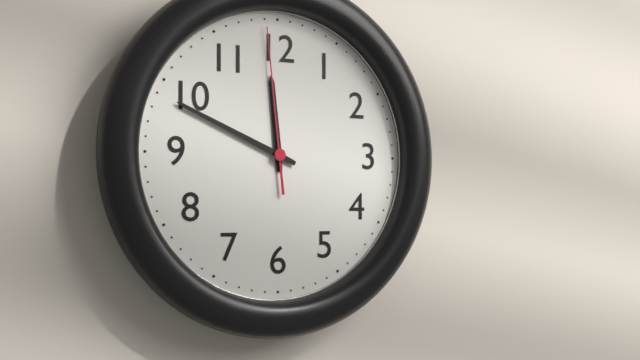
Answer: 11.49.59
